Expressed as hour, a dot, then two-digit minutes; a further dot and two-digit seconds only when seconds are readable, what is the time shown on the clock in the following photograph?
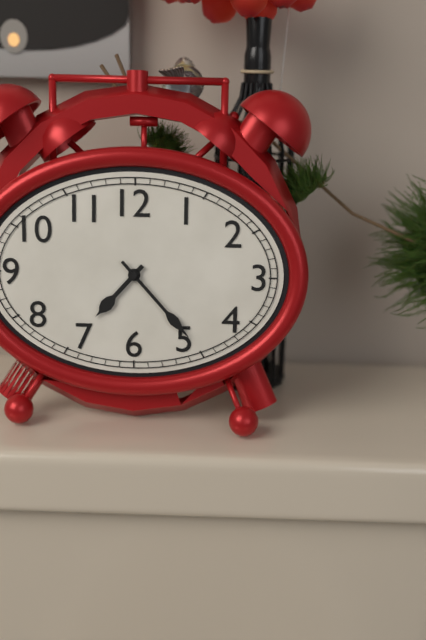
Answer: 7.23
